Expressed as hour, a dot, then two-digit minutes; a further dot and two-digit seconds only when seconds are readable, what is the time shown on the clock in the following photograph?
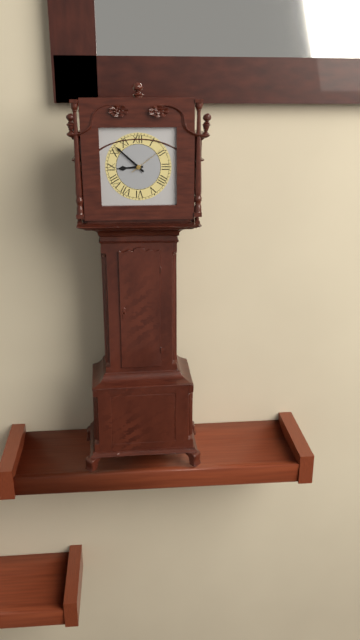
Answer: 8.52
